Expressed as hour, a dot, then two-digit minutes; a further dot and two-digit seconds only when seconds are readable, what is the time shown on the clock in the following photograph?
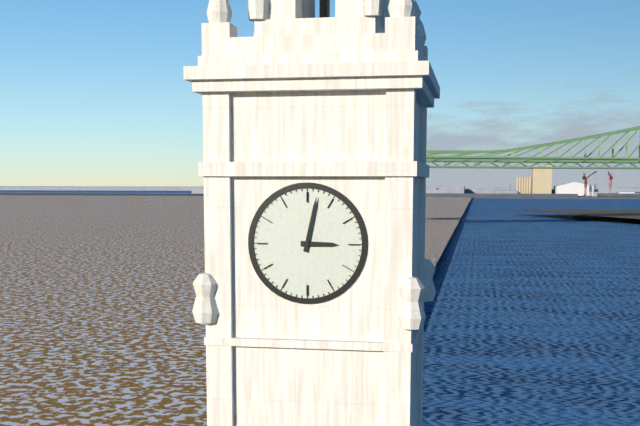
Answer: 3.02
